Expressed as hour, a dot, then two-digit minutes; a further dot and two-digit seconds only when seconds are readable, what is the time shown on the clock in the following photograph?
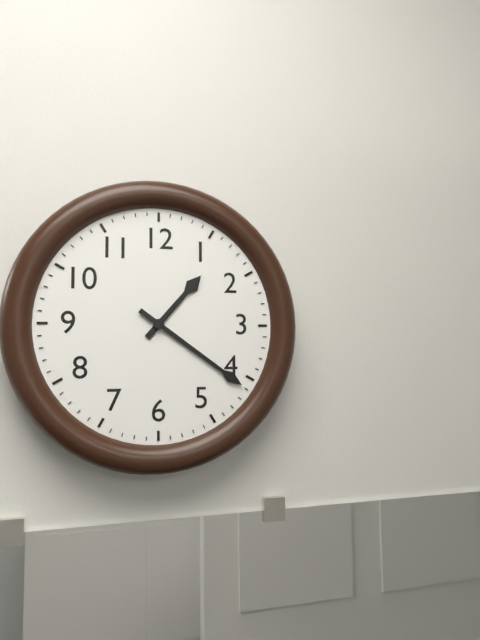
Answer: 1.21
